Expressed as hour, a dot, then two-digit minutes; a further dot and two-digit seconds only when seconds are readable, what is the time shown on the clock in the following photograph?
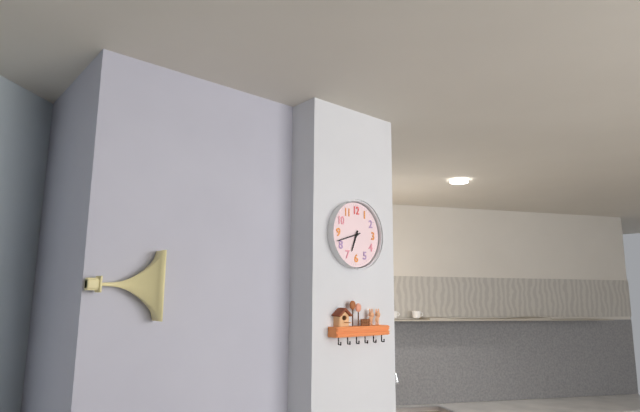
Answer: 6.42
